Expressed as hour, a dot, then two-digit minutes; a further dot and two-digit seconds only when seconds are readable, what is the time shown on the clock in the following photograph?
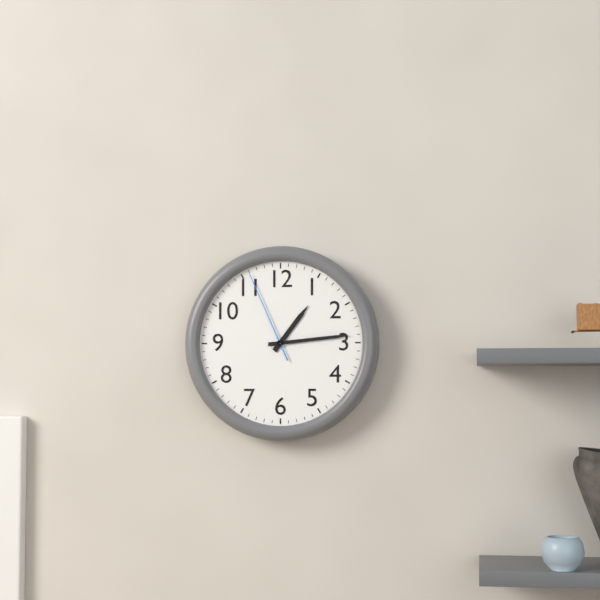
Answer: 1.14.56
